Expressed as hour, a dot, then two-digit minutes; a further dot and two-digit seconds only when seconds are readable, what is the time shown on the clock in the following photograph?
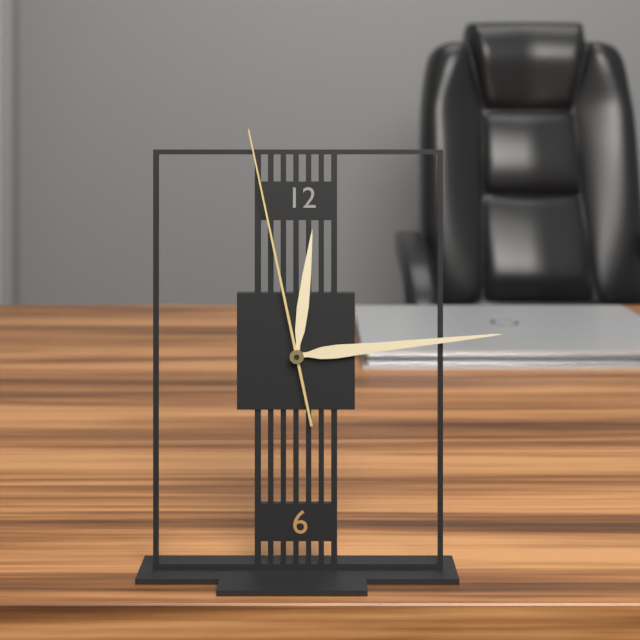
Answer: 12.14.58
